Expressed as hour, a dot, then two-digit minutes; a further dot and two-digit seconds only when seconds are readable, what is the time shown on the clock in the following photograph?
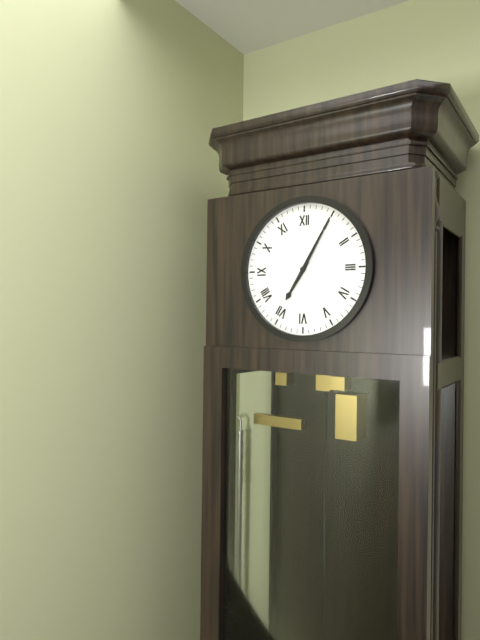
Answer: 7.05
